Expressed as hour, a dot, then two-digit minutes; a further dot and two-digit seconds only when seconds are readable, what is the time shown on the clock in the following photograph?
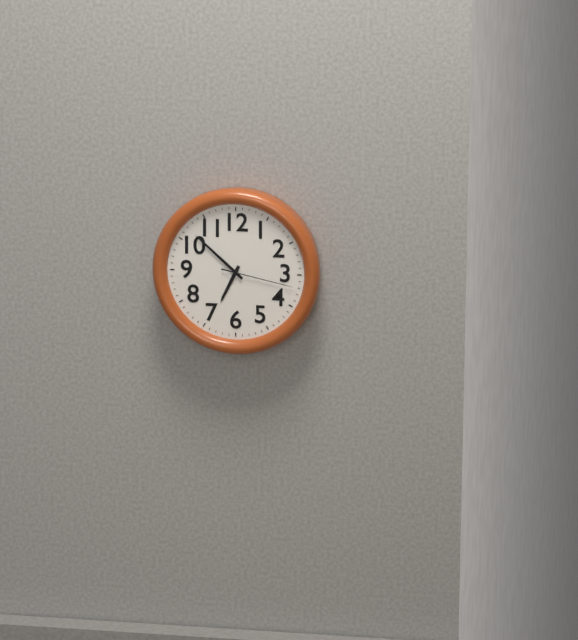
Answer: 6.52.17
